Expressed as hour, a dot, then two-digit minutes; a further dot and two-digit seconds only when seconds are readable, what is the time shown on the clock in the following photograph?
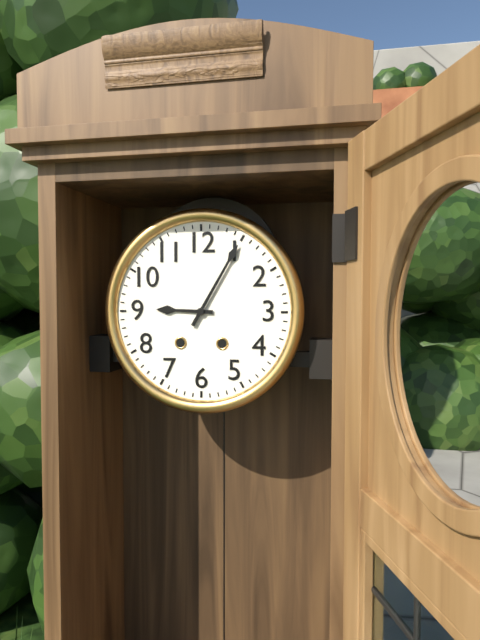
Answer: 9.05
